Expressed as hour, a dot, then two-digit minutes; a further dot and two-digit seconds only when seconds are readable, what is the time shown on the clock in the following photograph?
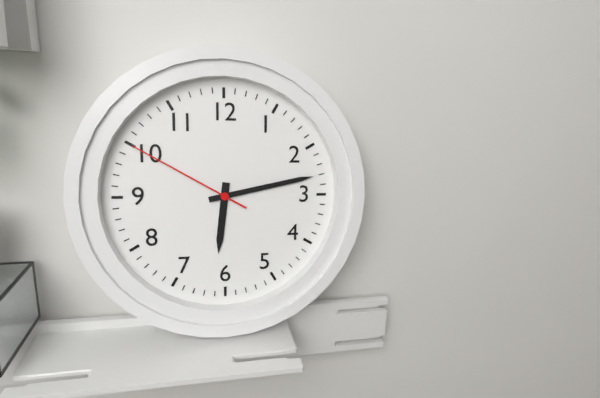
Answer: 6.13.50
